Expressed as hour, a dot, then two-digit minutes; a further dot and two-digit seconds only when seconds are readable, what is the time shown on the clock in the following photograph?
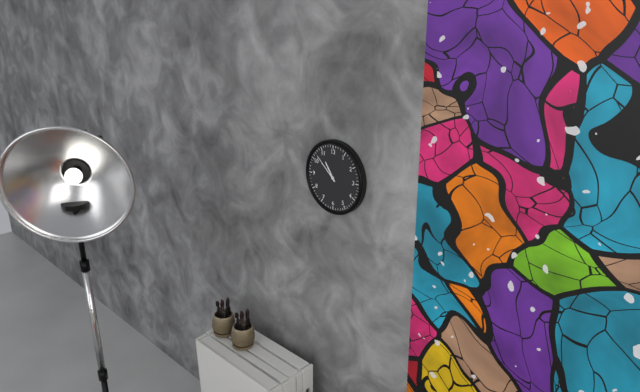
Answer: 10.52
